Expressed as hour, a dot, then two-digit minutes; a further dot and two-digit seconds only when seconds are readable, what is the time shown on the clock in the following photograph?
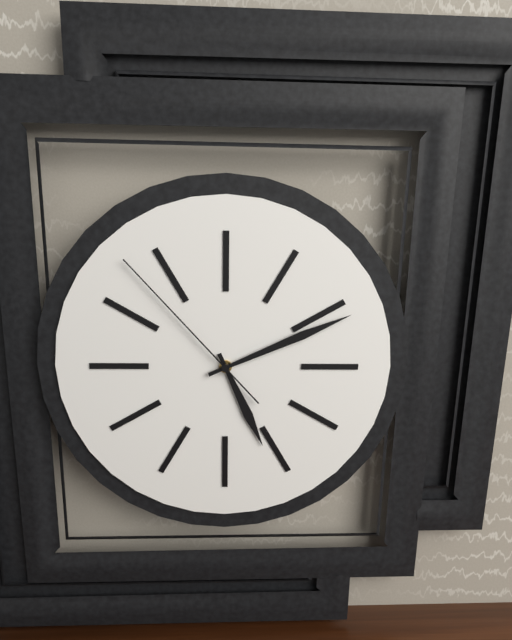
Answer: 5.11.53
